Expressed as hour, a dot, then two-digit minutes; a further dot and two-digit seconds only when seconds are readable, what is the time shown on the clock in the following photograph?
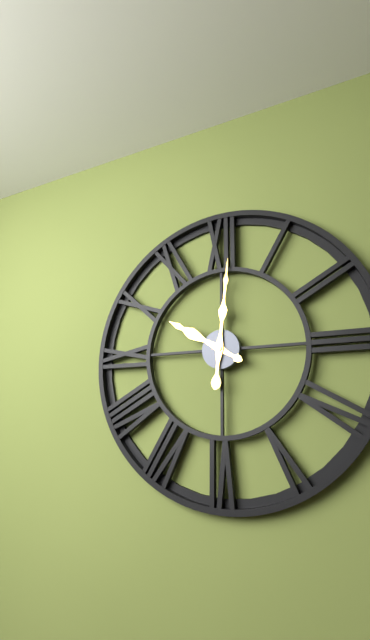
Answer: 10.01
